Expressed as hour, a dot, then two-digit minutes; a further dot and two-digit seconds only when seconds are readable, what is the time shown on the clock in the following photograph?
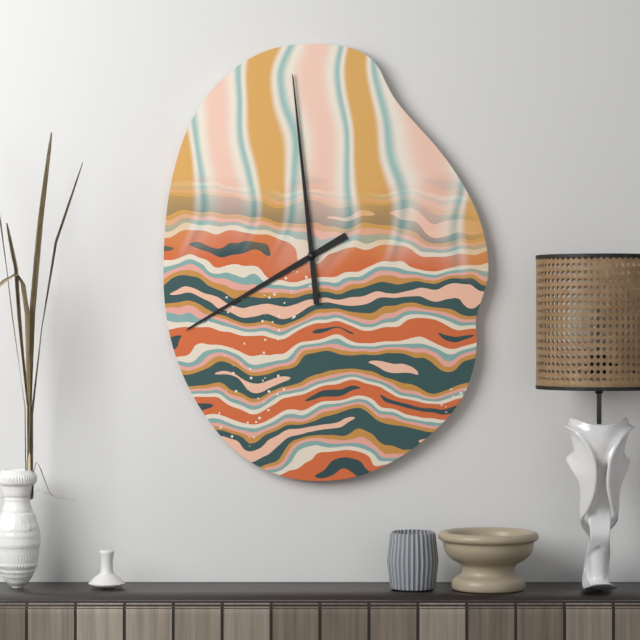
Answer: 7.59
